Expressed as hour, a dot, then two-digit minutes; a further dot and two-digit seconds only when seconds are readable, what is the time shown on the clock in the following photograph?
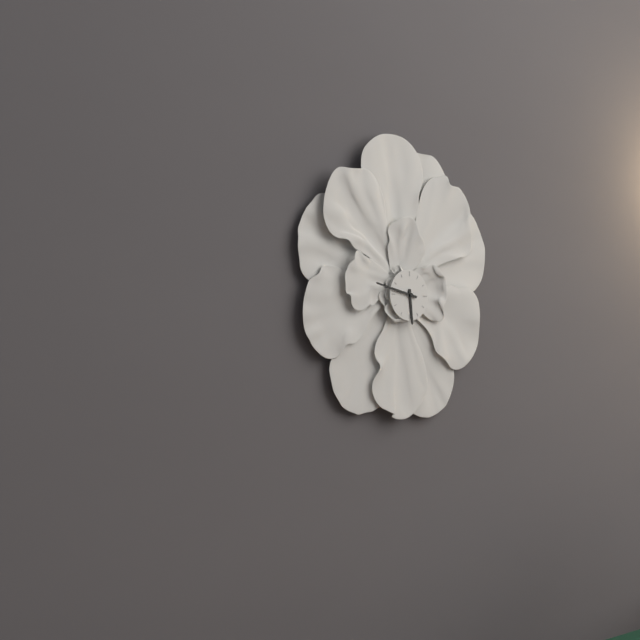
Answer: 5.47
